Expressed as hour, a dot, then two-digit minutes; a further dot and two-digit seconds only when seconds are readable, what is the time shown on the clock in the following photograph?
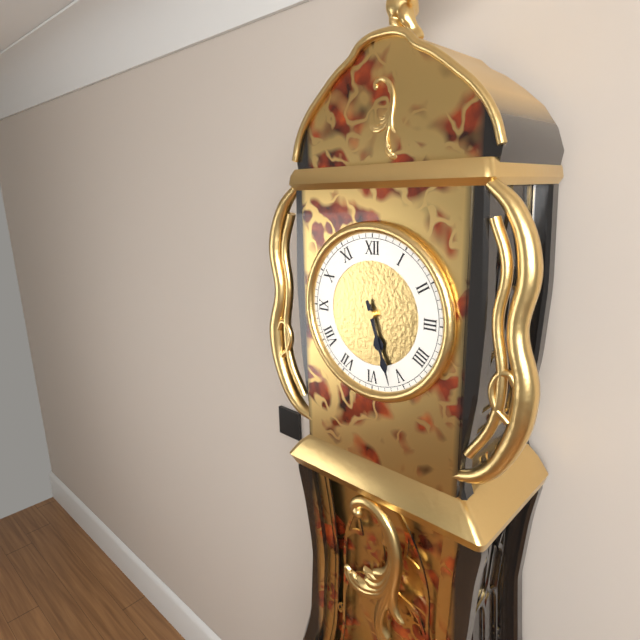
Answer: 5.27
